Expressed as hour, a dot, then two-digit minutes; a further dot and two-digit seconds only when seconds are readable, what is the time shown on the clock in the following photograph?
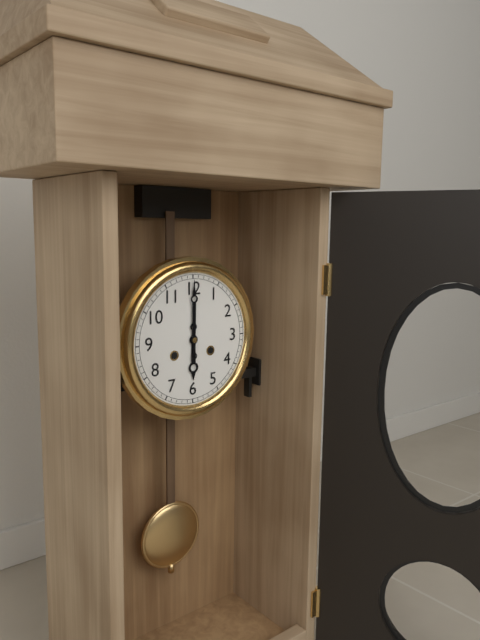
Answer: 6.00
